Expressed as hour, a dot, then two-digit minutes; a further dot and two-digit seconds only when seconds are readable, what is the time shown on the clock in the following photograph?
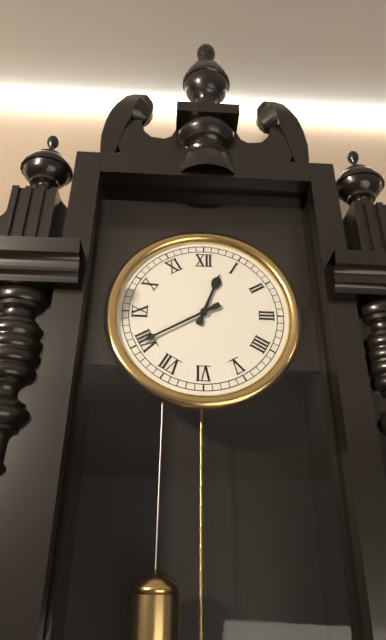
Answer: 12.40
